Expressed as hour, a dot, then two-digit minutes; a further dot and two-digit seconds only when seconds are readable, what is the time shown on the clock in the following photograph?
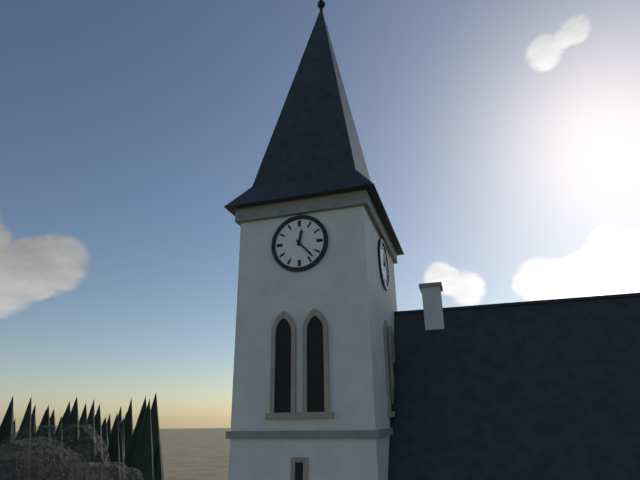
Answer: 12.23
